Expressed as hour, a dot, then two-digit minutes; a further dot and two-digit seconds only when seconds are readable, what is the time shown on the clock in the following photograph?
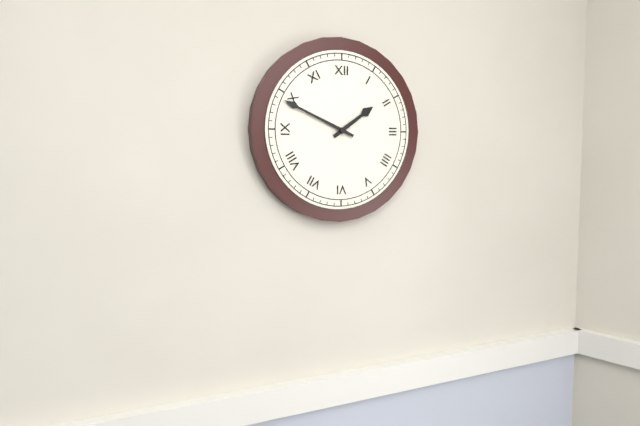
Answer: 1.49
